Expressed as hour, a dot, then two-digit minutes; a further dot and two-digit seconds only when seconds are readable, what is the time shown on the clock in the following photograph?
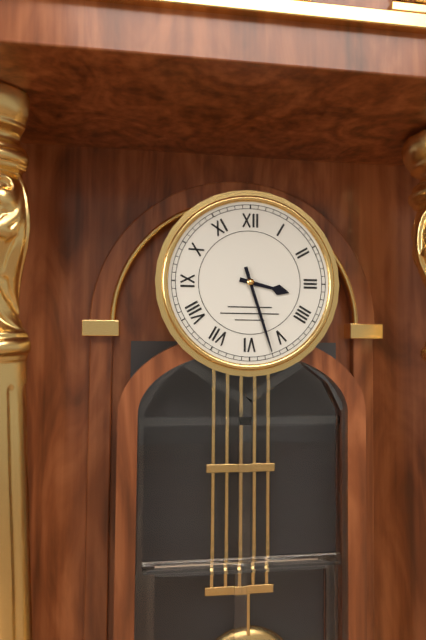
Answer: 3.27
